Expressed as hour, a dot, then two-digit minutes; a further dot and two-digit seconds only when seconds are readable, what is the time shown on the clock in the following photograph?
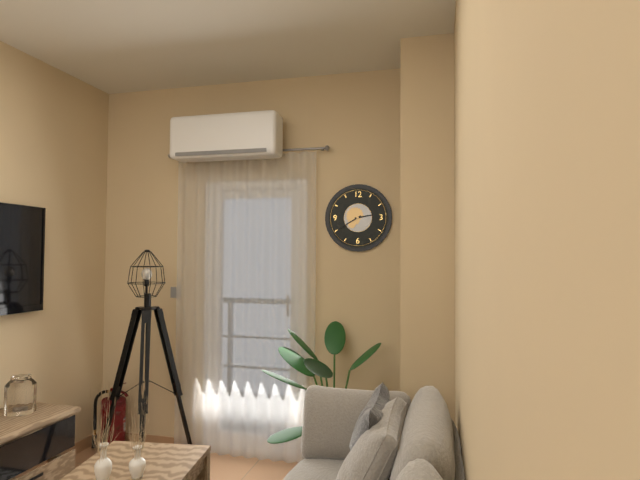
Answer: 2.40
